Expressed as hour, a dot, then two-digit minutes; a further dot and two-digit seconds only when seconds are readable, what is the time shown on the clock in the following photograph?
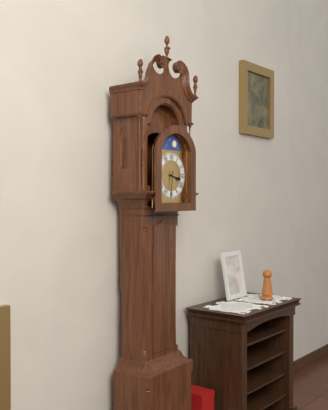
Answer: 3.31
